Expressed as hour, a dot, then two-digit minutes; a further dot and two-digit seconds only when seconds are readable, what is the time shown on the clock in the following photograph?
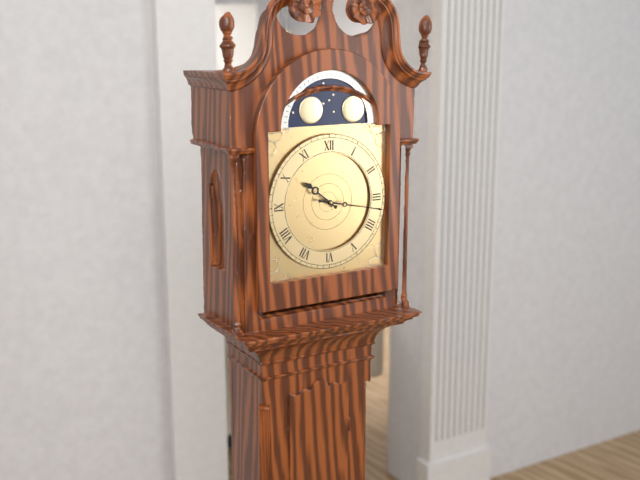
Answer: 10.17
